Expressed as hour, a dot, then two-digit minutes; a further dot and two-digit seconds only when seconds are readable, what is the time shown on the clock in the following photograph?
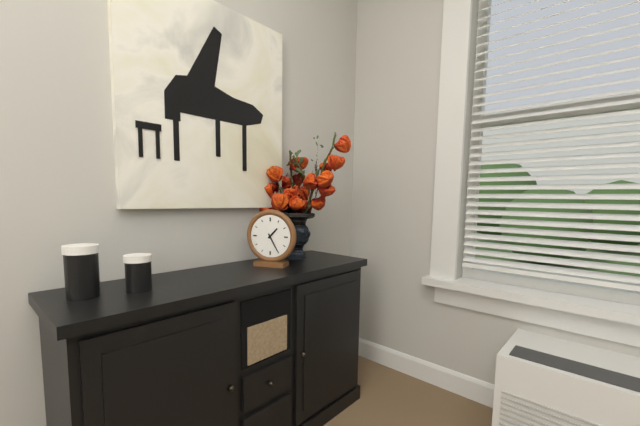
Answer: 1.25
